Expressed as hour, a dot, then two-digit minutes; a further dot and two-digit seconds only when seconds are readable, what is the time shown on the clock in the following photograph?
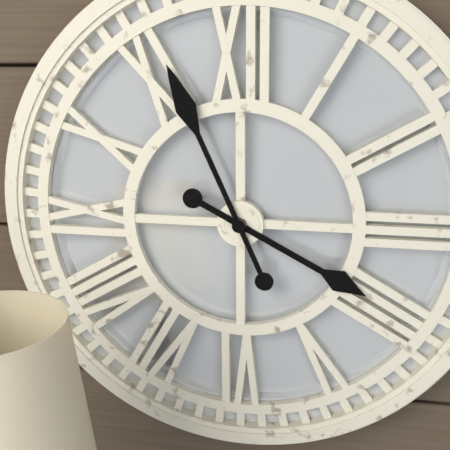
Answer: 3.56
